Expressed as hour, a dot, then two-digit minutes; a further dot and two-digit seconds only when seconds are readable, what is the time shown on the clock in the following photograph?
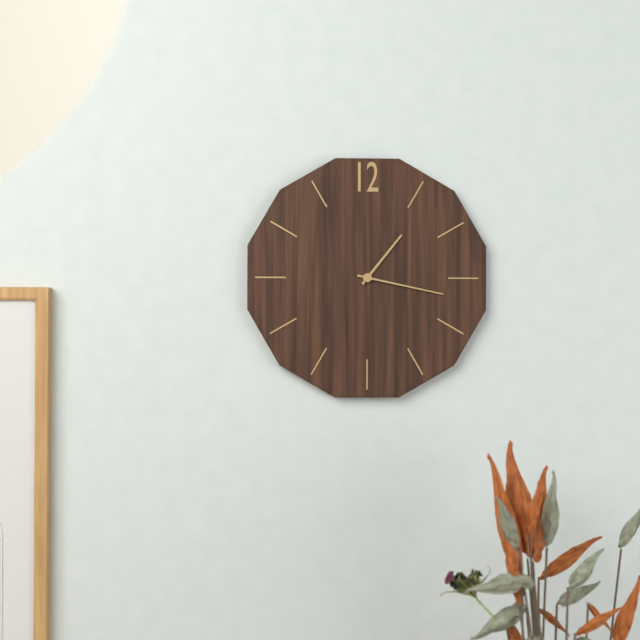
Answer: 1.17
